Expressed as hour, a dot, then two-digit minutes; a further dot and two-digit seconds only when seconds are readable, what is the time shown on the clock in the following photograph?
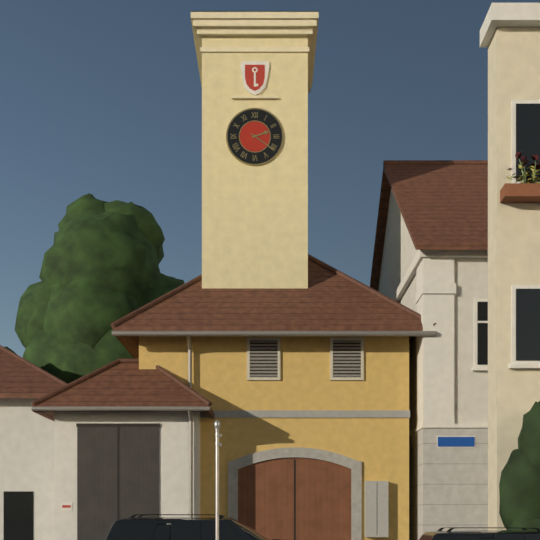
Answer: 2.21
